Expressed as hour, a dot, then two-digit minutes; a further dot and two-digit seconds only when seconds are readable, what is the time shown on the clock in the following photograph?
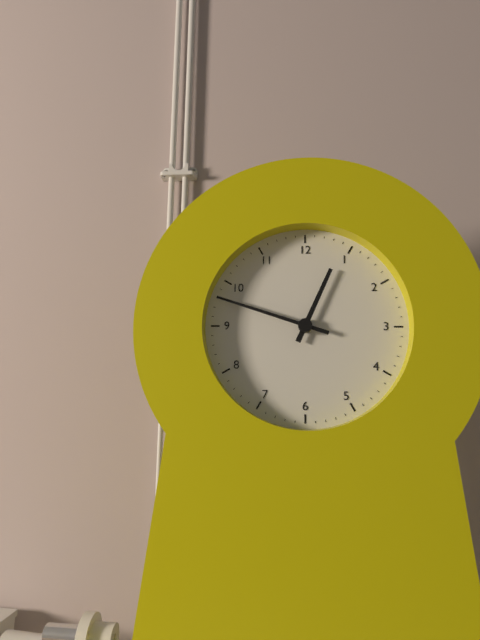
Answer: 12.48
